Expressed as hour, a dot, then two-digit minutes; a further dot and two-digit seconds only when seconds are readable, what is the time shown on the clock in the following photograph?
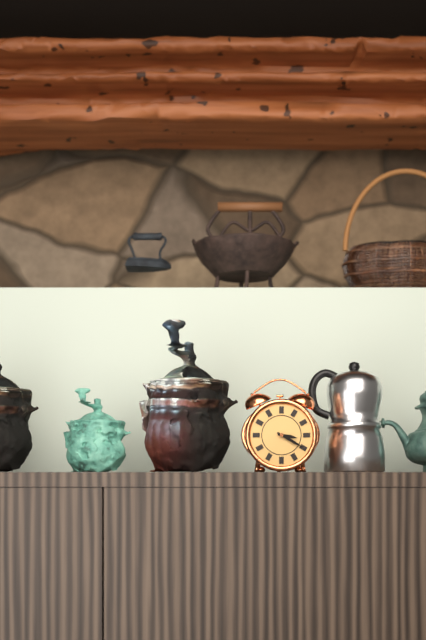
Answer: 3.20
